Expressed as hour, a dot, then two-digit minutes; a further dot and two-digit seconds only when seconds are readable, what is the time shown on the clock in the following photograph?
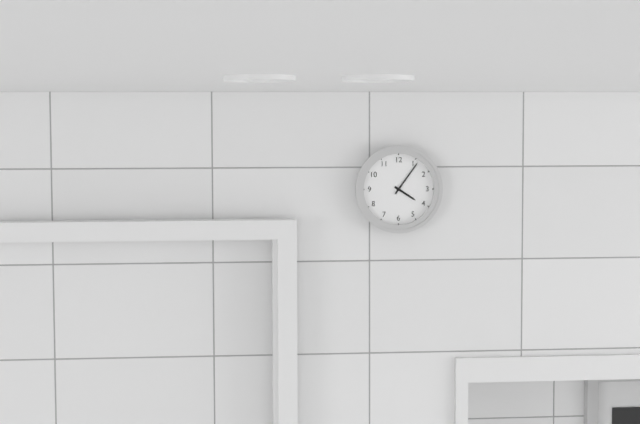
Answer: 4.06
